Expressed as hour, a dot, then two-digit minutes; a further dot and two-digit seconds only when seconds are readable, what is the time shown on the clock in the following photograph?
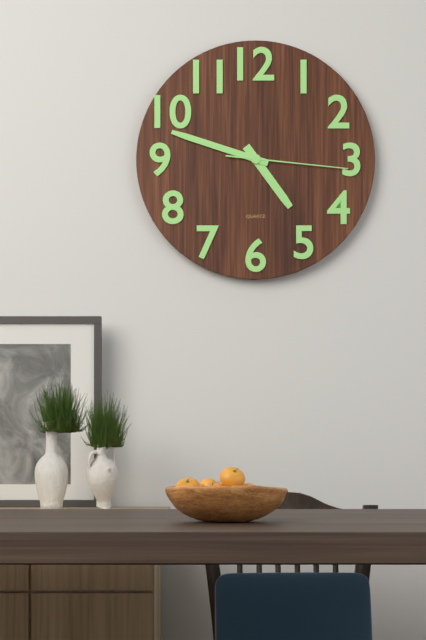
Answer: 4.48.16
